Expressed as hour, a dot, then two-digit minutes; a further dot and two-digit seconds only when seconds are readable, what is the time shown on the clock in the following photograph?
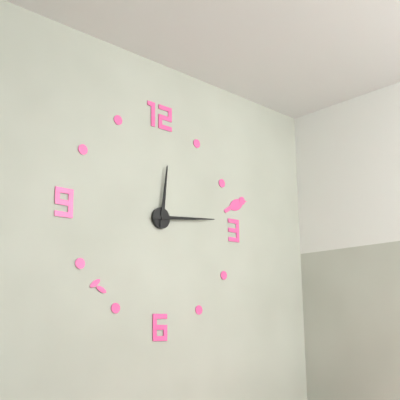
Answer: 12.14
